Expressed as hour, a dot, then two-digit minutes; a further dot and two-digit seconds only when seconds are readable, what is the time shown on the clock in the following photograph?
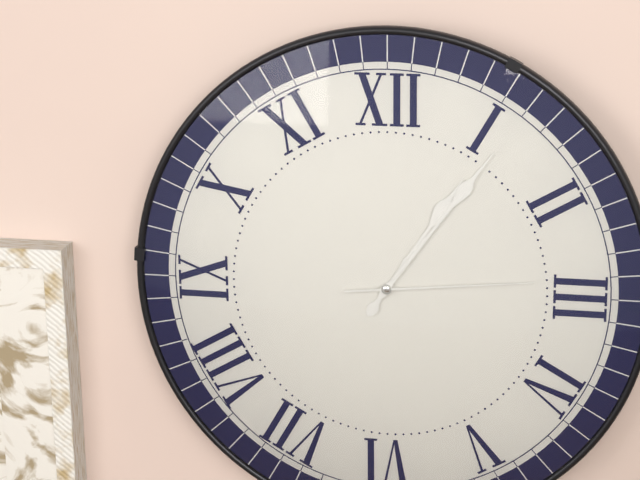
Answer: 1.06.14
